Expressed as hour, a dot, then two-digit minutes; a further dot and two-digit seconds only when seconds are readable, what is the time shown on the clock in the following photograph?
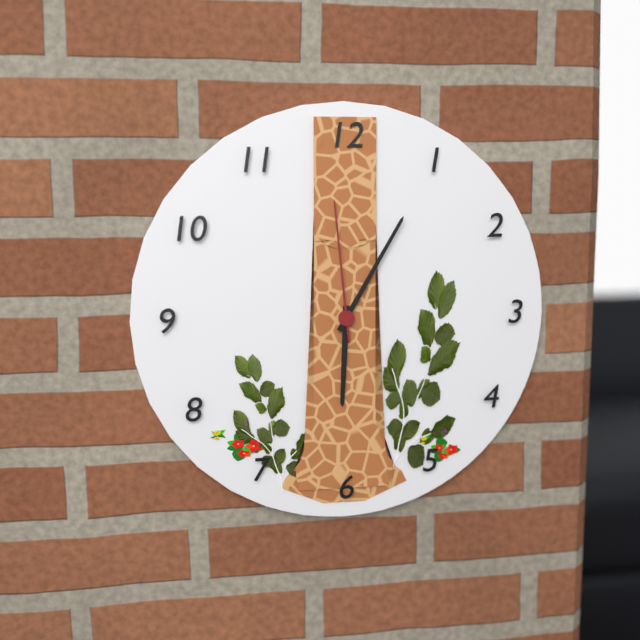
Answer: 6.05.59
